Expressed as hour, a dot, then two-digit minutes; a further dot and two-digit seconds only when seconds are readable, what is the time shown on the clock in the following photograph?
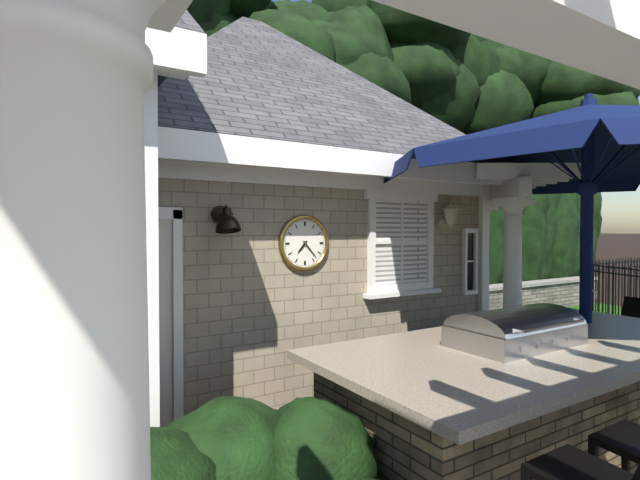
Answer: 7.23
